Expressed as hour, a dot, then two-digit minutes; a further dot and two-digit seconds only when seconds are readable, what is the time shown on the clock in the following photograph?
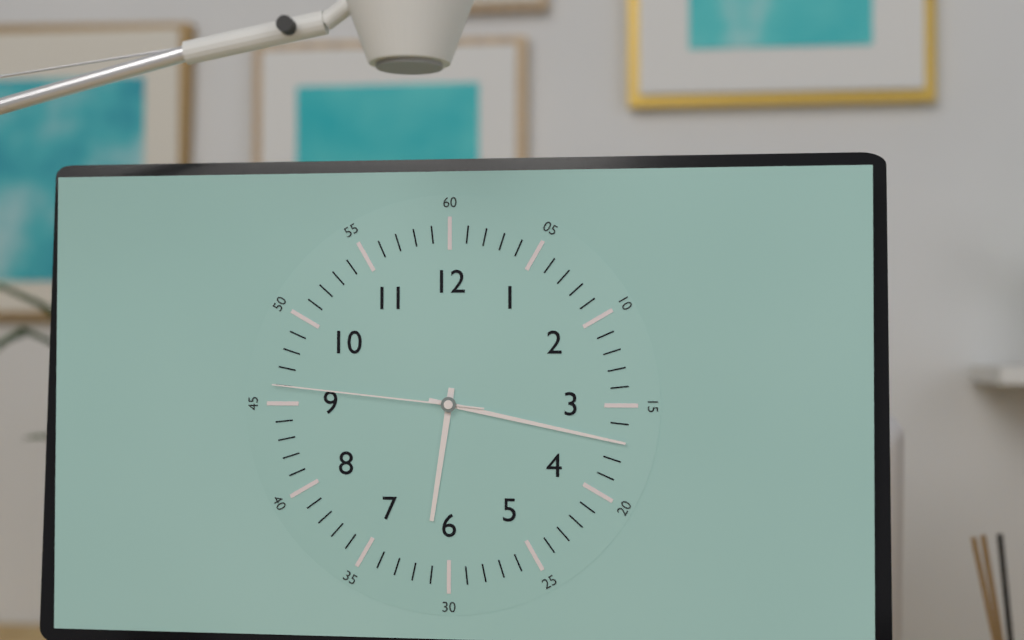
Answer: 6.17.46
